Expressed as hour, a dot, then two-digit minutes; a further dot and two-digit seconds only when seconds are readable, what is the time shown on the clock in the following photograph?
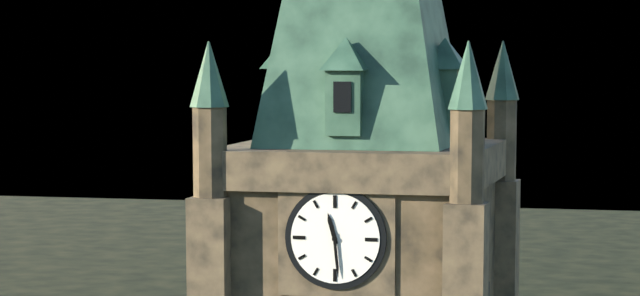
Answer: 11.29
